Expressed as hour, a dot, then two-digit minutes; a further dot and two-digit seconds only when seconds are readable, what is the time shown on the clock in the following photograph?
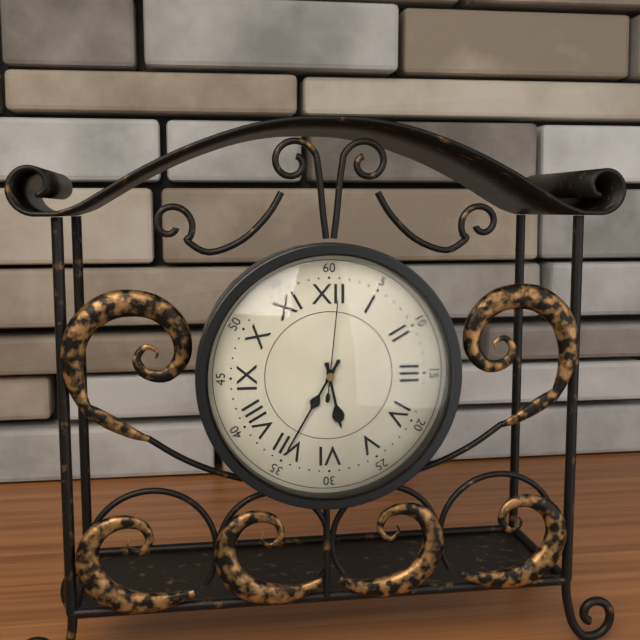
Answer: 5.35.01
